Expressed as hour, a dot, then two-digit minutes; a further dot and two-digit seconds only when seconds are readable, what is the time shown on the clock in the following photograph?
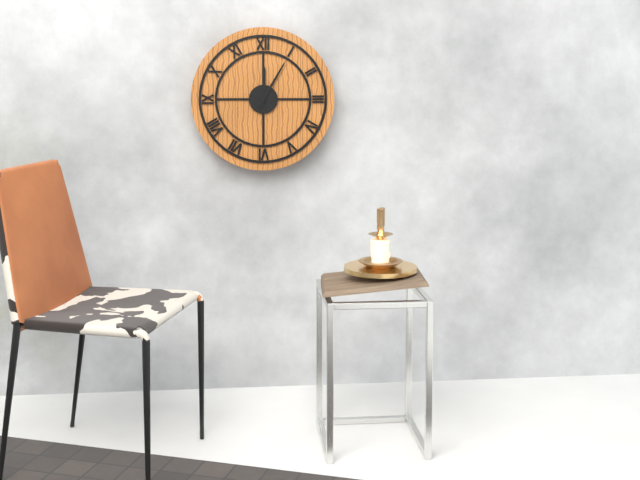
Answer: 12.05
